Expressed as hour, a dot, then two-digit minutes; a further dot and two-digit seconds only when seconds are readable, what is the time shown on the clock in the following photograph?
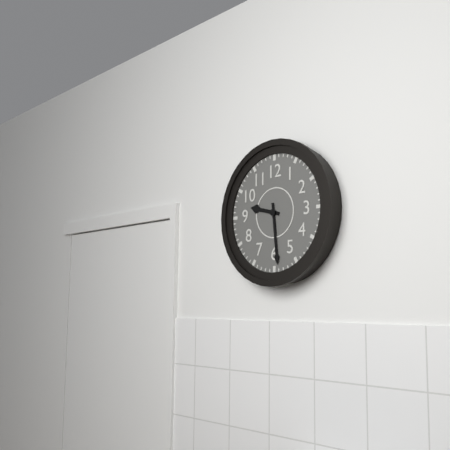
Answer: 9.29
